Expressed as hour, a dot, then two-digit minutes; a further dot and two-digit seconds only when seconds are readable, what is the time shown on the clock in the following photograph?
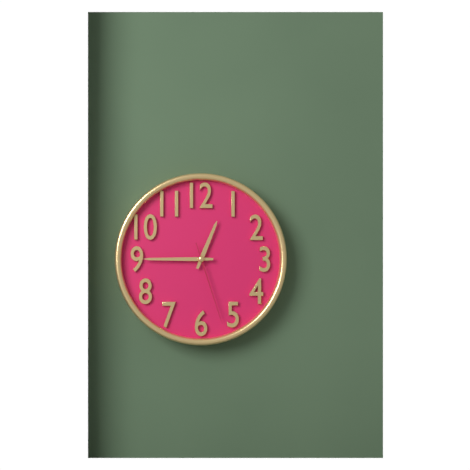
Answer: 12.45.27
